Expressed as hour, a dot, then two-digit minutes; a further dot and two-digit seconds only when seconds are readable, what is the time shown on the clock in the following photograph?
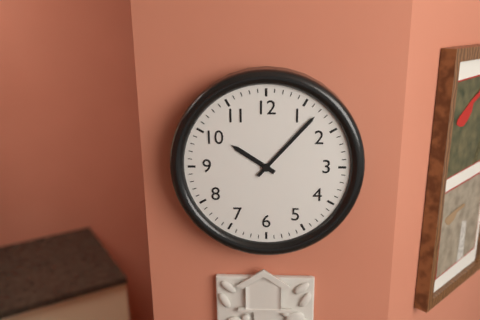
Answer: 10.07
